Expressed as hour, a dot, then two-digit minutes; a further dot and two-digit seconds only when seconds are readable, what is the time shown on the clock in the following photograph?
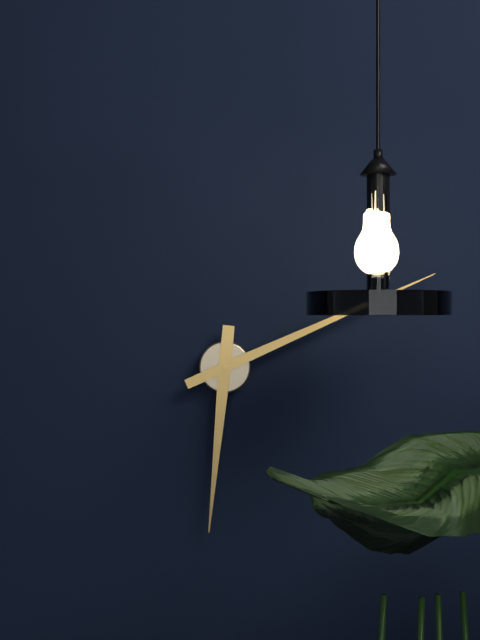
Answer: 6.11
